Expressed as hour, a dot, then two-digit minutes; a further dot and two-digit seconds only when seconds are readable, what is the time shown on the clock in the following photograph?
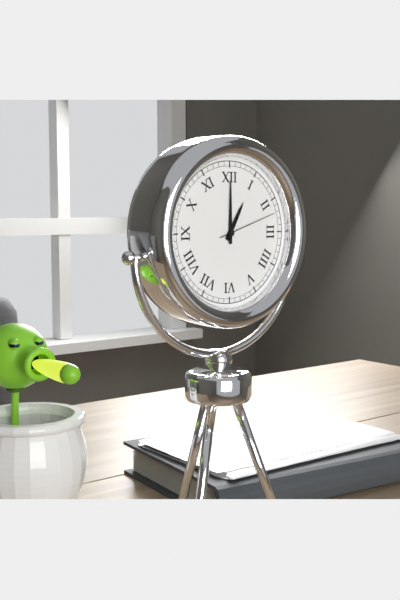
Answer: 1.00.12
